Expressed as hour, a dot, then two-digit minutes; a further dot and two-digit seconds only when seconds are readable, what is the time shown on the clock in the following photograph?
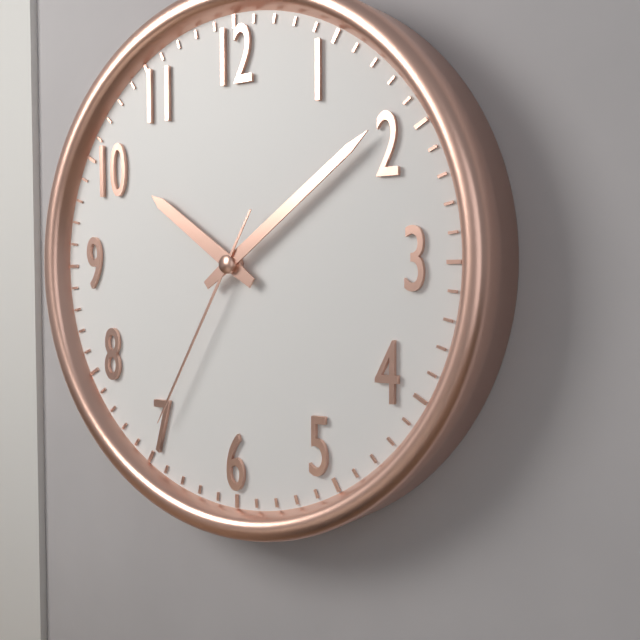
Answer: 10.09.35
